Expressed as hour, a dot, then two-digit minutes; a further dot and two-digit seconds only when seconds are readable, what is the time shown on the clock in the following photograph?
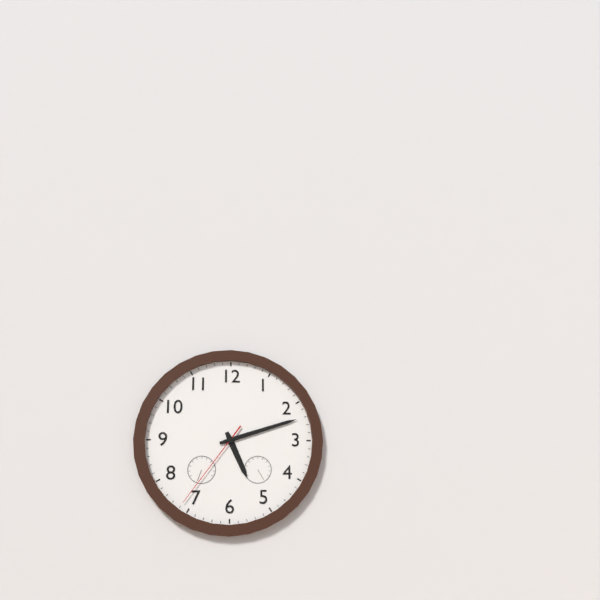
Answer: 5.12.36
